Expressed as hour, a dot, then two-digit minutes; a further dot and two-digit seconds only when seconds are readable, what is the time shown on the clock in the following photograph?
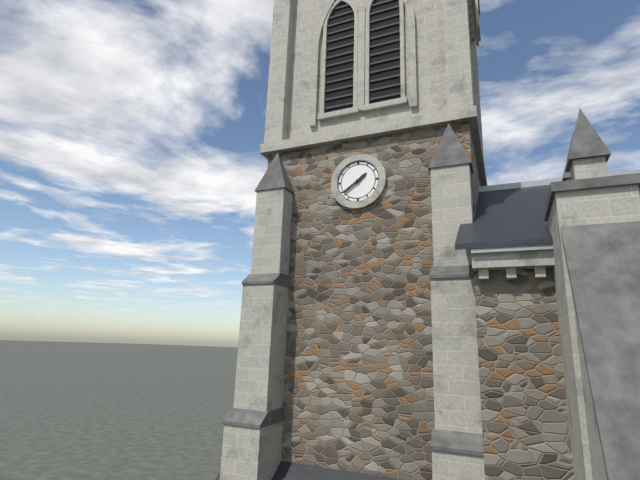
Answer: 1.39
